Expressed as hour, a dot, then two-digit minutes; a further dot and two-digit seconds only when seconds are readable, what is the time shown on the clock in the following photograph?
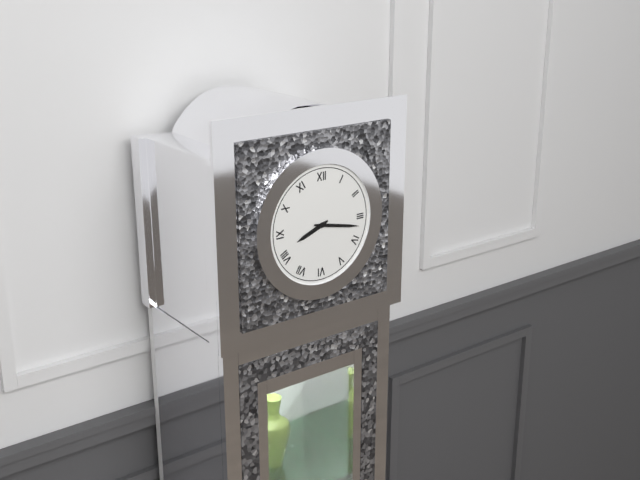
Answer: 8.17
